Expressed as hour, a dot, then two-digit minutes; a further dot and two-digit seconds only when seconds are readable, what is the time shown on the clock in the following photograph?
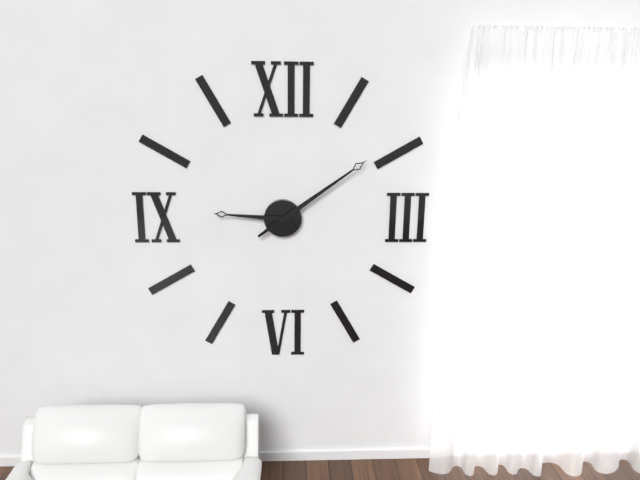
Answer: 9.09
